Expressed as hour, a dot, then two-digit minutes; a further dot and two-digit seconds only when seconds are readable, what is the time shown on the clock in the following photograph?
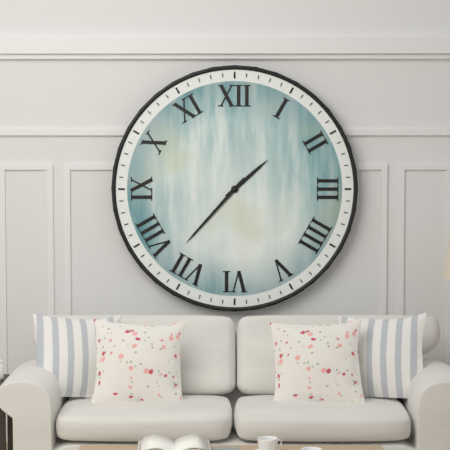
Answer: 1.37
